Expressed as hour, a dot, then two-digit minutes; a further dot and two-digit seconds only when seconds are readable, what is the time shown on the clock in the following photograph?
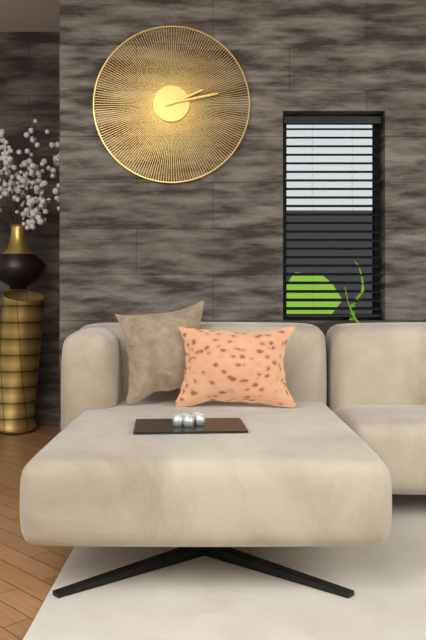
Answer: 2.13
